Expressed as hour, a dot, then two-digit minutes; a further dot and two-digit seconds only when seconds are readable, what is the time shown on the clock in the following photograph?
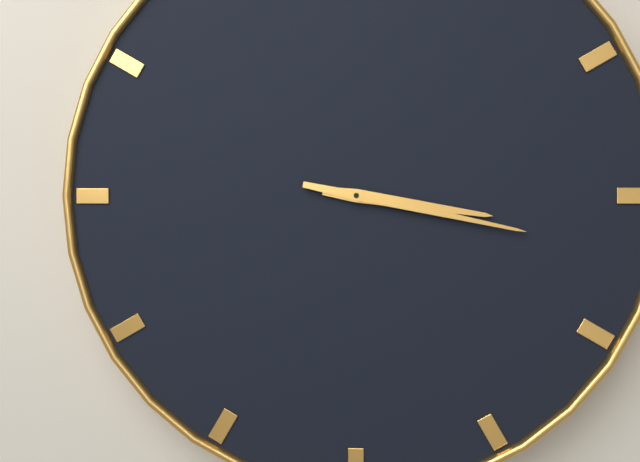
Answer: 3.17
